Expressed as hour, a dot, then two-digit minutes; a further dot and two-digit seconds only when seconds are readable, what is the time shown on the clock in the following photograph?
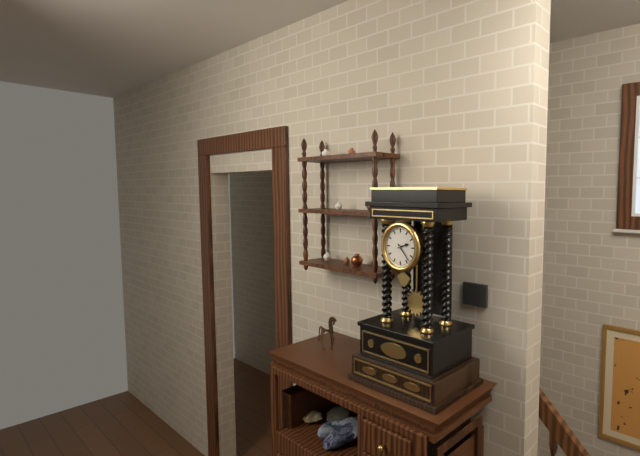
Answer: 2.23
